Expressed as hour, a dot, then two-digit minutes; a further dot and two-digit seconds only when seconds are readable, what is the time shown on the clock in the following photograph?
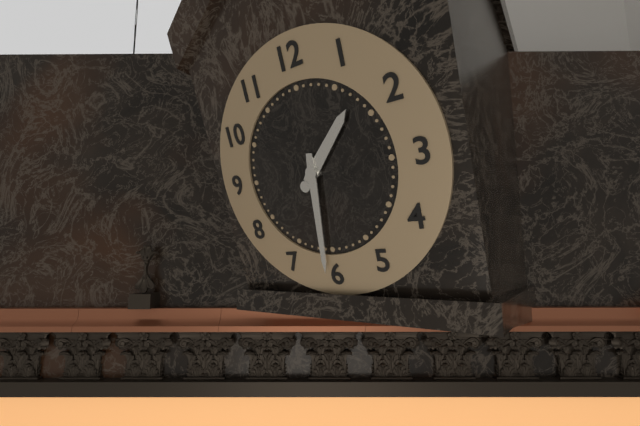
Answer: 1.31
